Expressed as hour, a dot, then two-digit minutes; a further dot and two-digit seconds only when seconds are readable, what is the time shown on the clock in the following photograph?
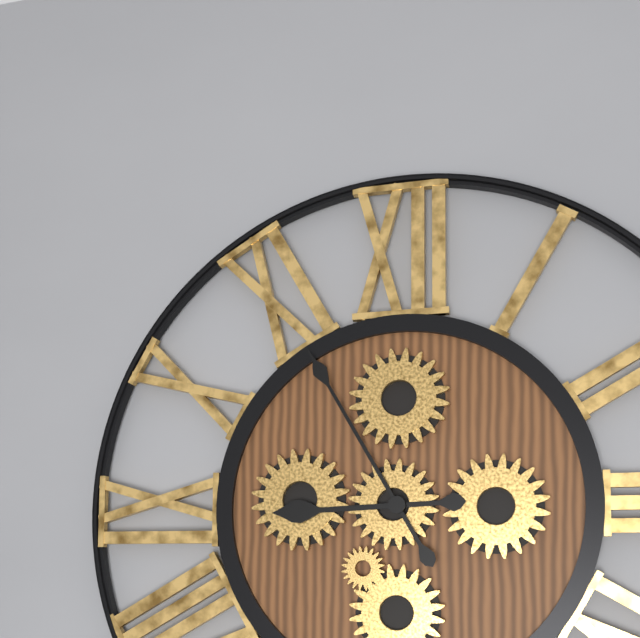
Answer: 8.55
